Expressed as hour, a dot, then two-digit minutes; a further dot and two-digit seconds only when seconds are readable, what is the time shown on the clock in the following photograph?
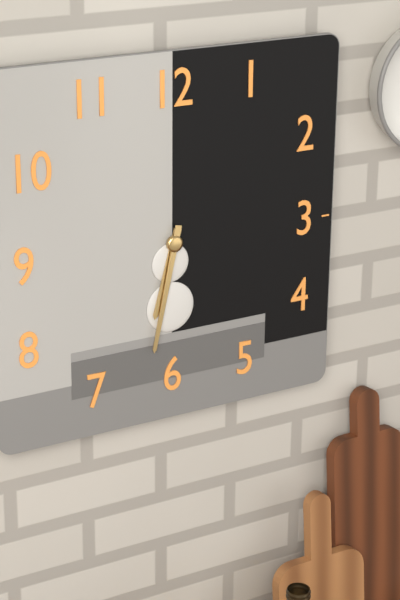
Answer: 6.32
